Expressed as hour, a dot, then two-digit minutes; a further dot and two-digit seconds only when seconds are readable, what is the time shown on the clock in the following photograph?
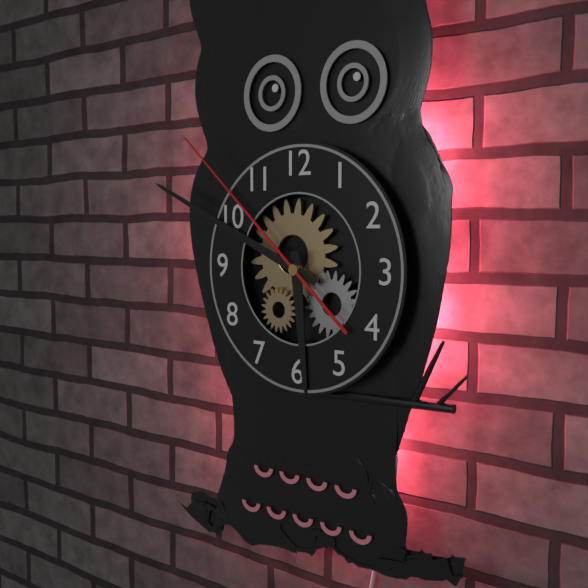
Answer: 5.49.52
